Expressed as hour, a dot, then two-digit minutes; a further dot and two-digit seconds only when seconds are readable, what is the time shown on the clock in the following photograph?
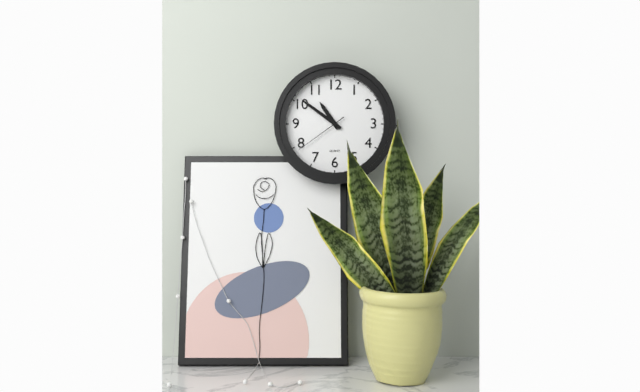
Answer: 10.51.39
